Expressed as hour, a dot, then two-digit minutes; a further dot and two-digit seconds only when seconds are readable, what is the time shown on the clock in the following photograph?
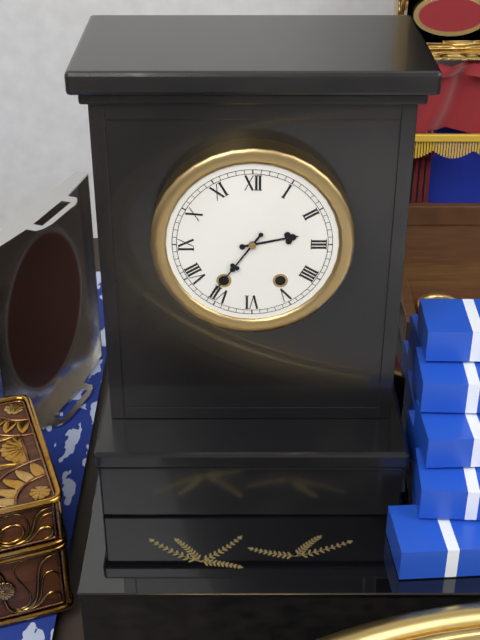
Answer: 2.36
